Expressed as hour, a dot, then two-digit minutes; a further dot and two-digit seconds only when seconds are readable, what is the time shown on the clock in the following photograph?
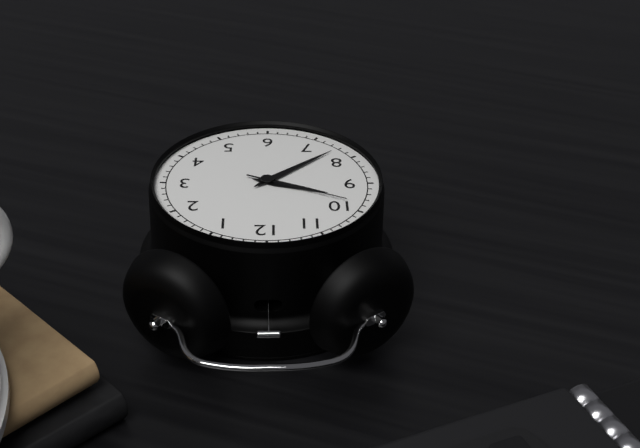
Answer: 9.38.49
